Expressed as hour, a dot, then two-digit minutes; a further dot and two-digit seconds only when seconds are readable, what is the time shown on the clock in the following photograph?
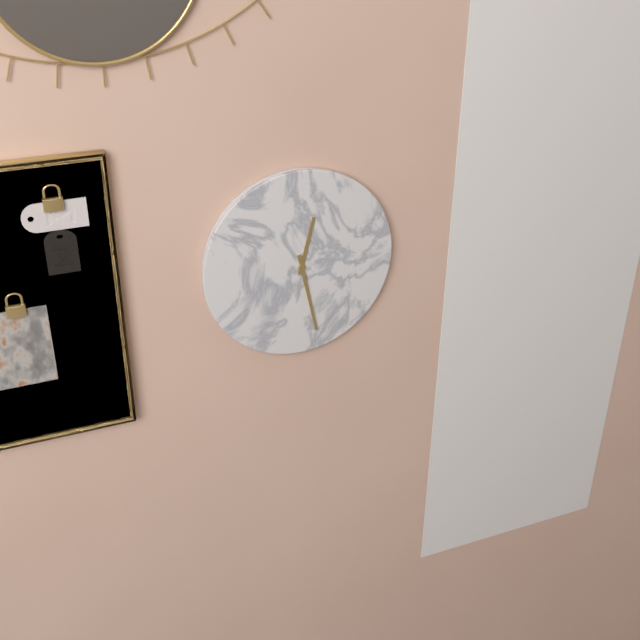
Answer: 12.28
